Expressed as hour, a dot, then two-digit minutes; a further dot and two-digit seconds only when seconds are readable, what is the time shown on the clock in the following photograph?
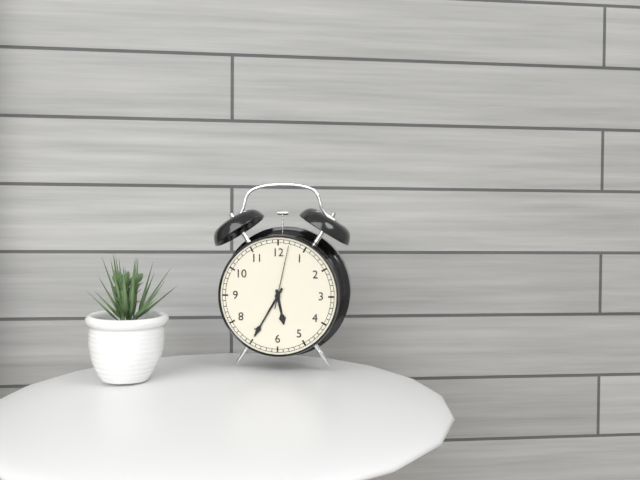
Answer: 5.35.02
